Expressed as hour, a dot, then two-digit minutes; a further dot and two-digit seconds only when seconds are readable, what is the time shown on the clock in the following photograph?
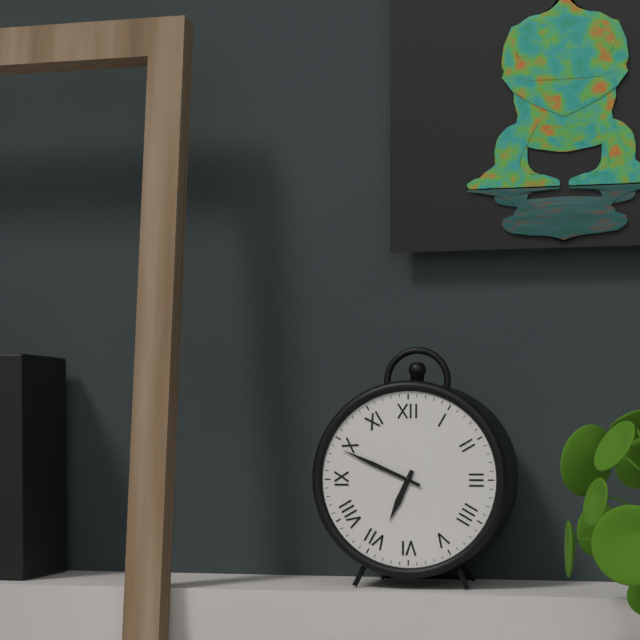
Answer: 6.49
